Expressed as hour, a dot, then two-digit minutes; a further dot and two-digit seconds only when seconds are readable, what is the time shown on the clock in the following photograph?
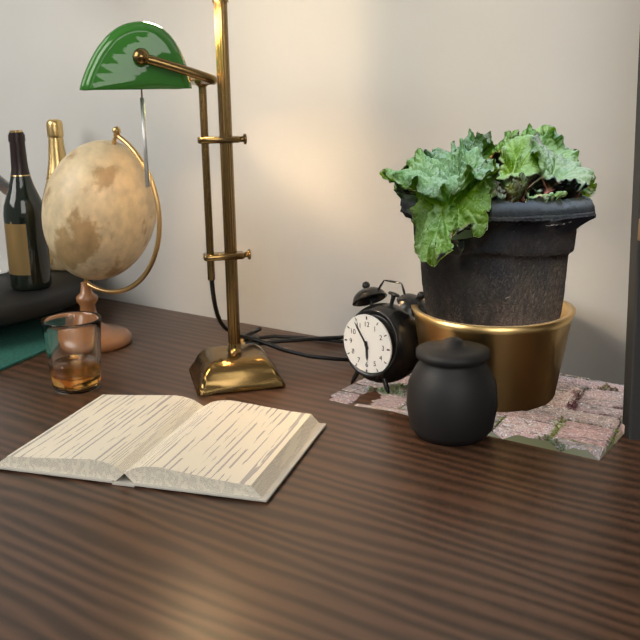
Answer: 5.54
